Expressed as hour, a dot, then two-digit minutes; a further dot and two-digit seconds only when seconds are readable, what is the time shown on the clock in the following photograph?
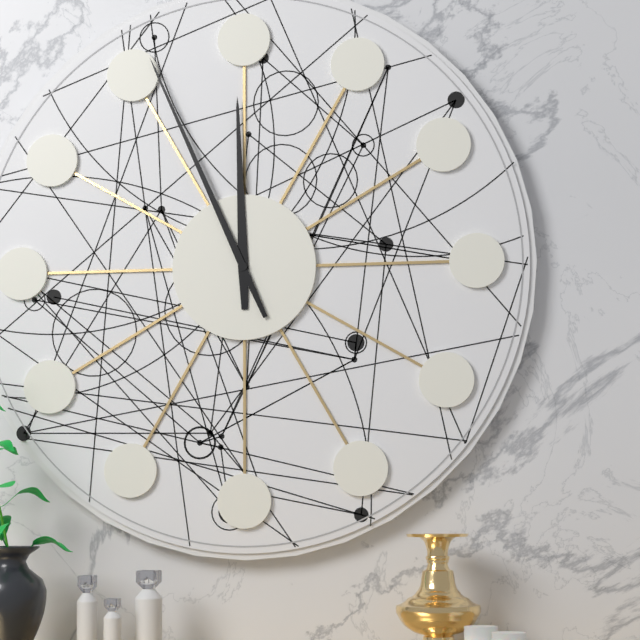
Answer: 11.56
